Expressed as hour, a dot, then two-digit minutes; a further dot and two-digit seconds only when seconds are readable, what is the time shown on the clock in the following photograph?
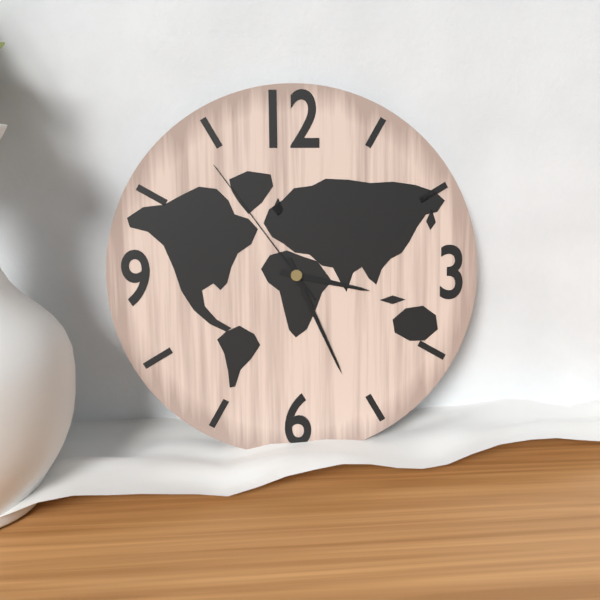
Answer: 3.26.54
